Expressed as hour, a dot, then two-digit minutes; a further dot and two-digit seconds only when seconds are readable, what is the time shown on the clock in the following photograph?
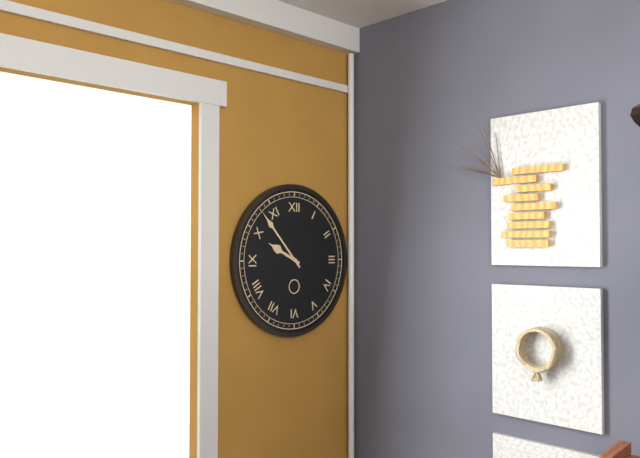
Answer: 9.53
